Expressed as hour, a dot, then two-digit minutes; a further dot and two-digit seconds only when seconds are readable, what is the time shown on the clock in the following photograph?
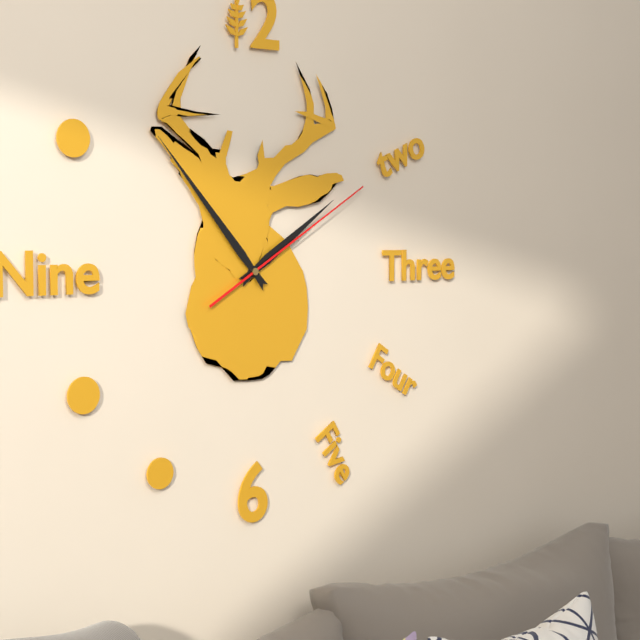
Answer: 1.53.10
